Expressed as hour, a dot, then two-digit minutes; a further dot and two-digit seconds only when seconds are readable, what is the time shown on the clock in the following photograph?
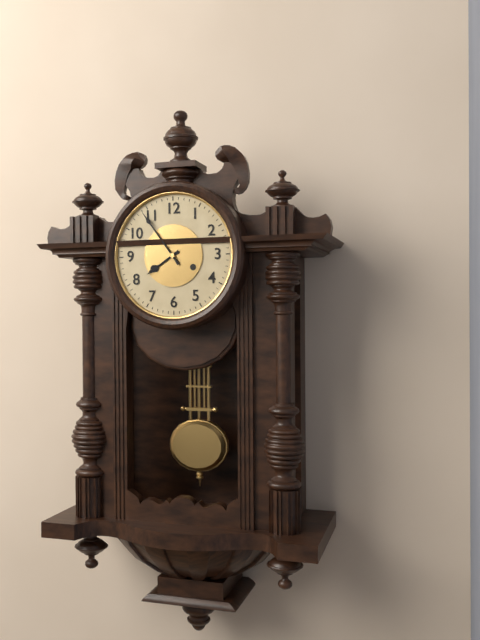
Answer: 7.54
